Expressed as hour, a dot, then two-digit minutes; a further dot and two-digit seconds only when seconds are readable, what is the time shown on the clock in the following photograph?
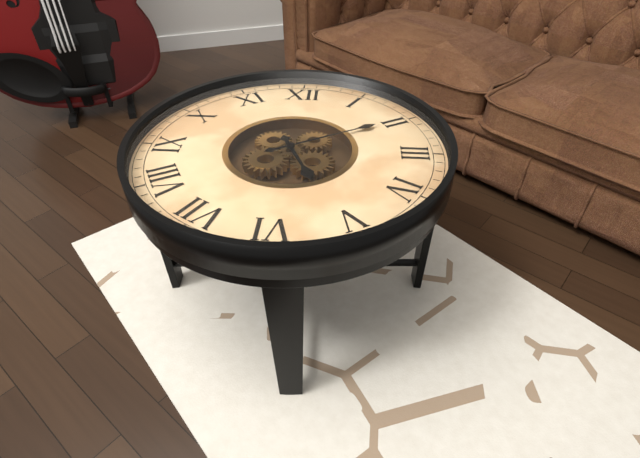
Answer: 5.10
